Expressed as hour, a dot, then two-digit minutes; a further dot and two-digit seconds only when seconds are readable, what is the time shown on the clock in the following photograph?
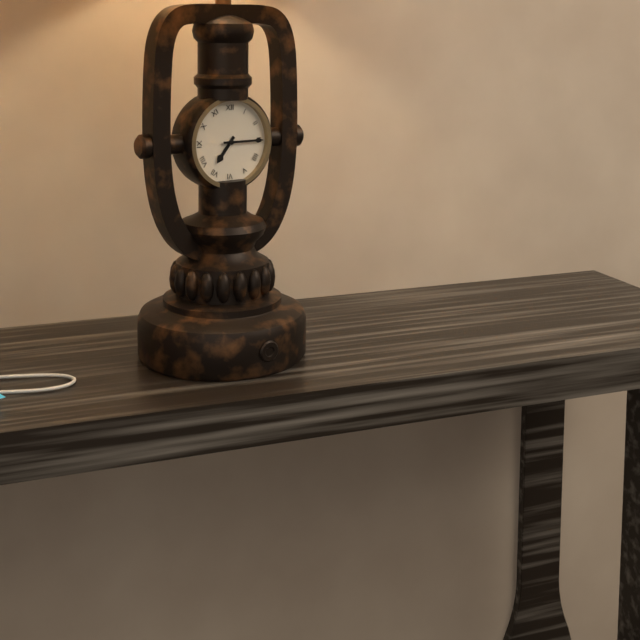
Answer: 7.15
